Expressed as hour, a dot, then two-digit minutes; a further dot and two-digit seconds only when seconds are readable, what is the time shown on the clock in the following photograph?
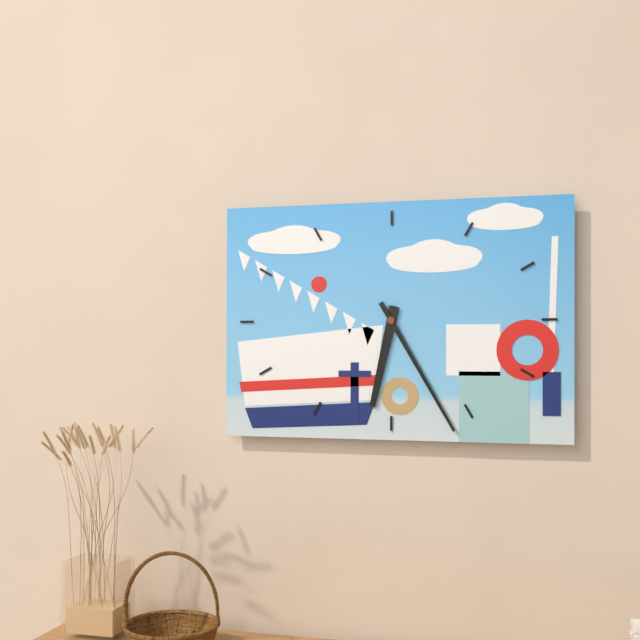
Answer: 6.25
